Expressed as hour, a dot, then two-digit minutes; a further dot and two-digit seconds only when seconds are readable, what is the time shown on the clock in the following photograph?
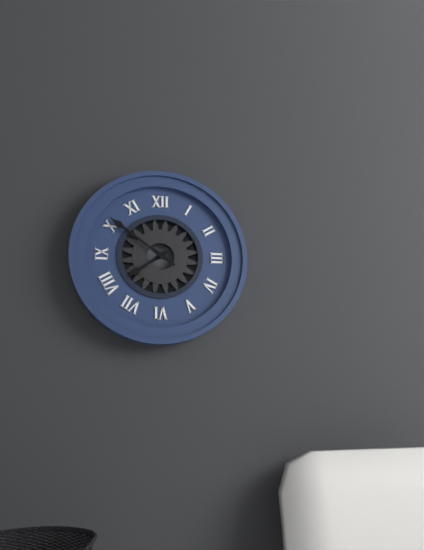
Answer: 7.51
